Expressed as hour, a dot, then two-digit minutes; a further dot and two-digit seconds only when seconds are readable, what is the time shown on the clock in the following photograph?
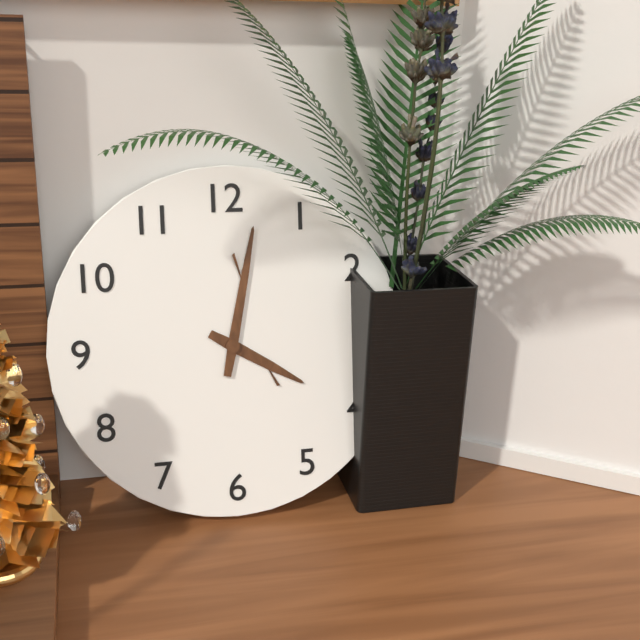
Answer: 4.02
